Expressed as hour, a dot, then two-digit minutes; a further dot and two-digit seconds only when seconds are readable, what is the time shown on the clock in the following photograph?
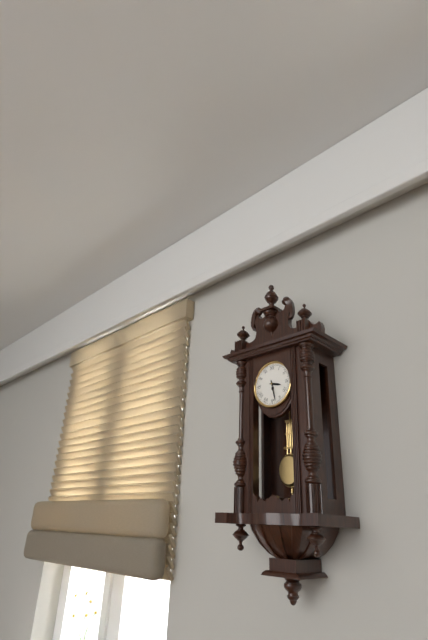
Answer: 3.28
